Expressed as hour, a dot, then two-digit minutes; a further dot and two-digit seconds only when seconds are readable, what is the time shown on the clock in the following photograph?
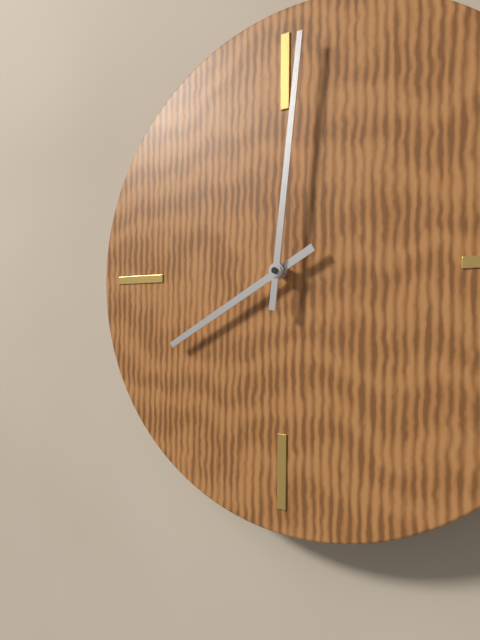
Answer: 8.01
